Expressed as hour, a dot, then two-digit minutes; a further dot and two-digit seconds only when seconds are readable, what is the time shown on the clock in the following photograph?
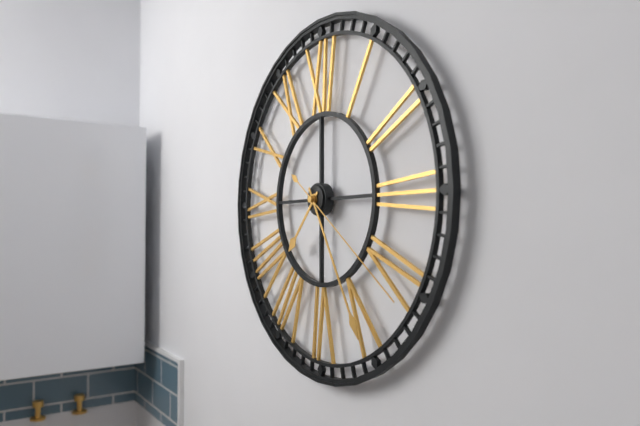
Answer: 7.25.21
